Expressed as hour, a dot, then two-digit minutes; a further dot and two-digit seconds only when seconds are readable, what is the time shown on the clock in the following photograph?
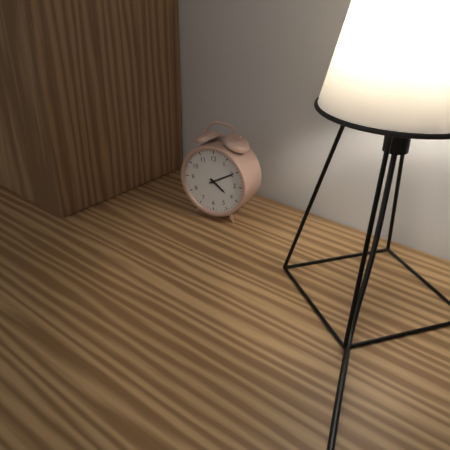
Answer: 4.10
